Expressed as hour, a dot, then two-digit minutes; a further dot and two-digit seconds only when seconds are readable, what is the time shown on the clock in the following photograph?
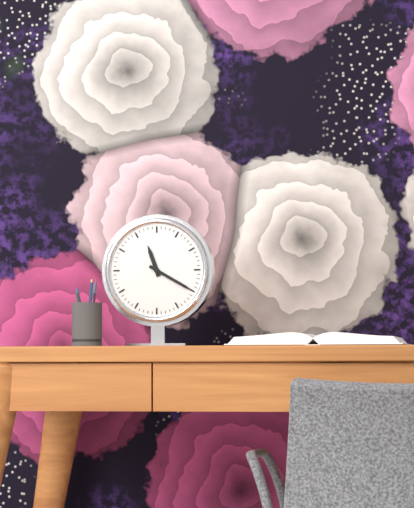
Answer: 11.20
